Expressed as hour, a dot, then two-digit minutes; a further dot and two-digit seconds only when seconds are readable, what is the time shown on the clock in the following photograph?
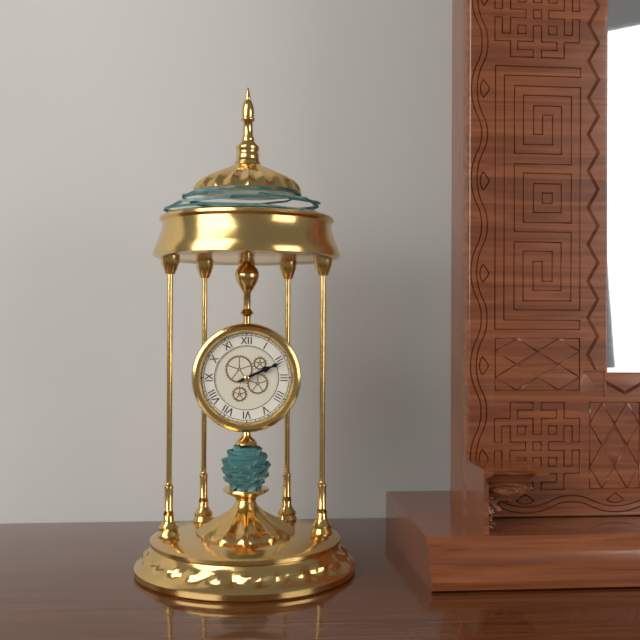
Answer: 2.11
